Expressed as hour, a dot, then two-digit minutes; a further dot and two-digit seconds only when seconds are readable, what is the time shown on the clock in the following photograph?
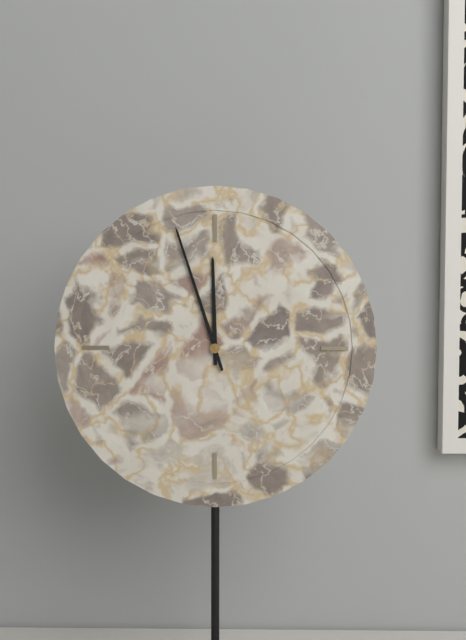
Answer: 11.57
